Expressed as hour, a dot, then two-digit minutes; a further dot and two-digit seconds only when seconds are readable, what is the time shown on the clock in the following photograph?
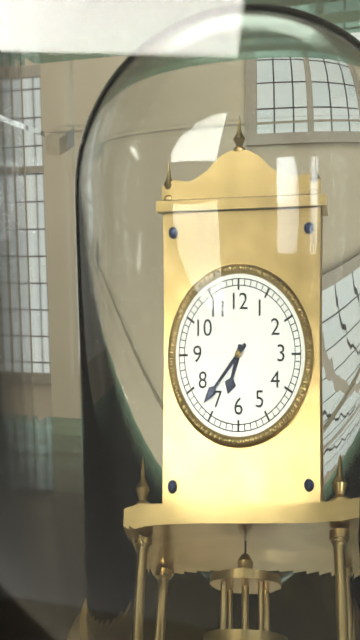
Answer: 6.37
